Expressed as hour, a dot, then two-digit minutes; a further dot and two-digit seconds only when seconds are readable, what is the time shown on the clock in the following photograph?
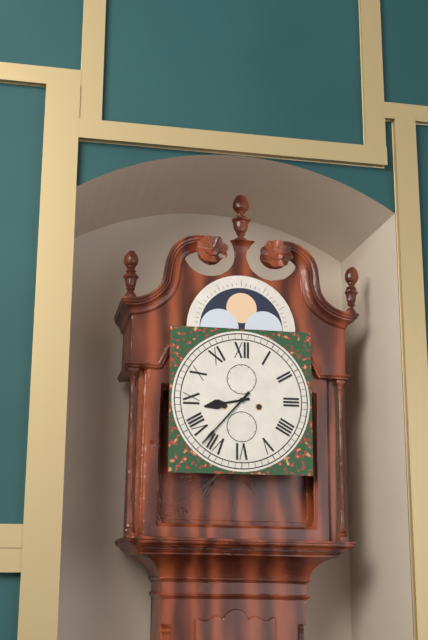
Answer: 8.37
